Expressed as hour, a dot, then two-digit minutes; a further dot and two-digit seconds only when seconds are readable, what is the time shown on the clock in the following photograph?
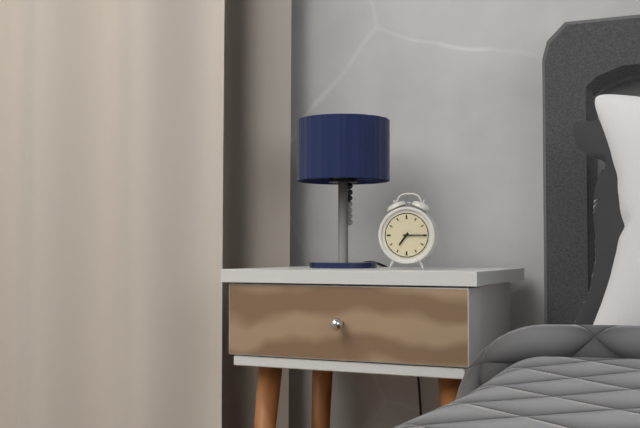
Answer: 7.15
